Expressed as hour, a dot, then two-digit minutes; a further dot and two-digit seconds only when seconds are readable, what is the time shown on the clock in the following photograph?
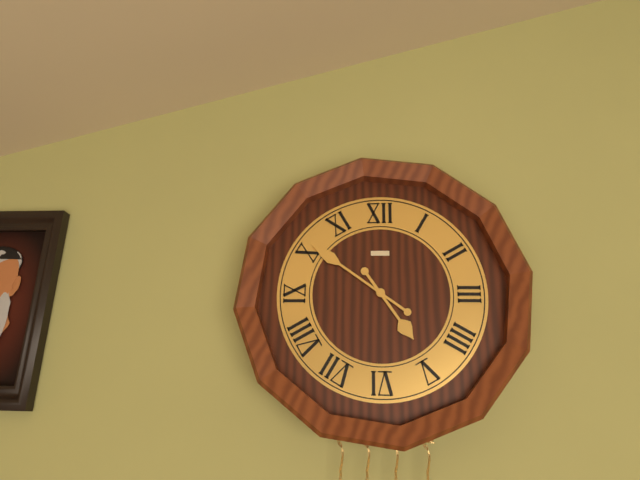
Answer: 4.51
